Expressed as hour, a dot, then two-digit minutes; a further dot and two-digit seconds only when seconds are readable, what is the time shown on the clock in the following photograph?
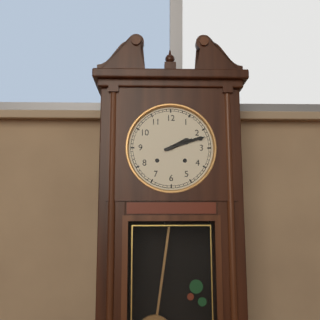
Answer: 2.12
